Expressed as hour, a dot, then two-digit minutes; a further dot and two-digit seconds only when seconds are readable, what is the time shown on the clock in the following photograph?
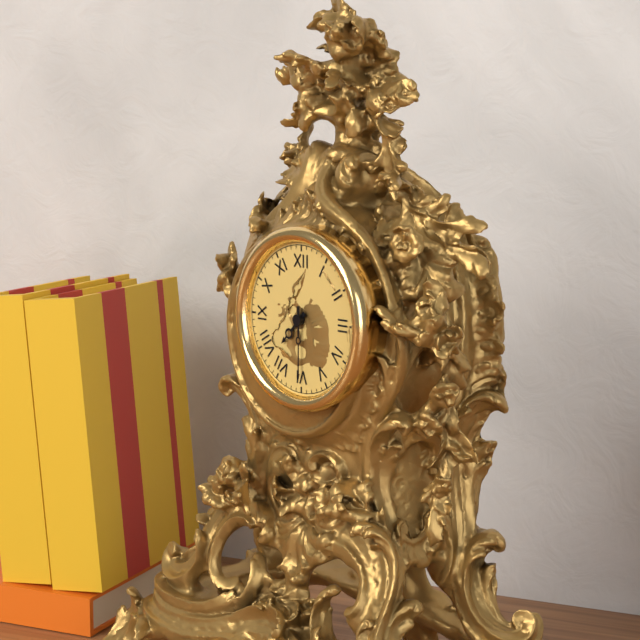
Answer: 7.30
